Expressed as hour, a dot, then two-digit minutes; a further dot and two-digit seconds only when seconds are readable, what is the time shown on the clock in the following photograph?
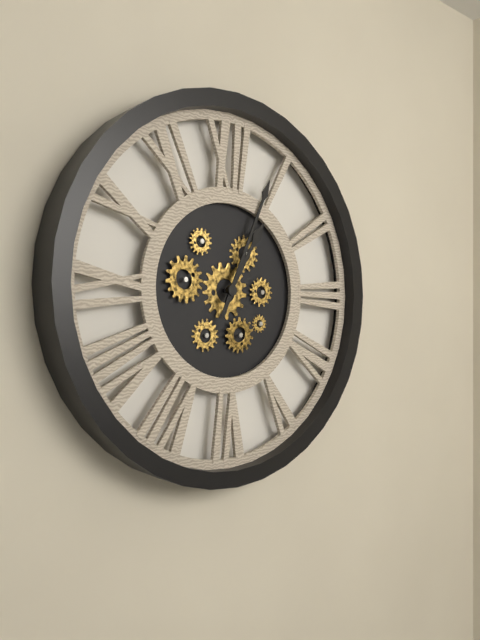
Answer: 1.04
